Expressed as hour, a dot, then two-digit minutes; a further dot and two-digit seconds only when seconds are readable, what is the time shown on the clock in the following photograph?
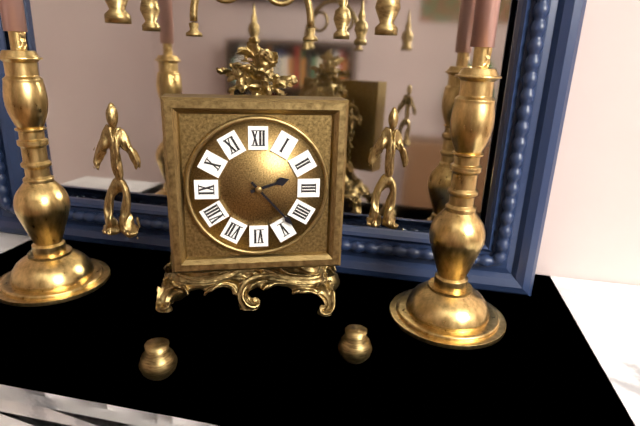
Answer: 2.23
